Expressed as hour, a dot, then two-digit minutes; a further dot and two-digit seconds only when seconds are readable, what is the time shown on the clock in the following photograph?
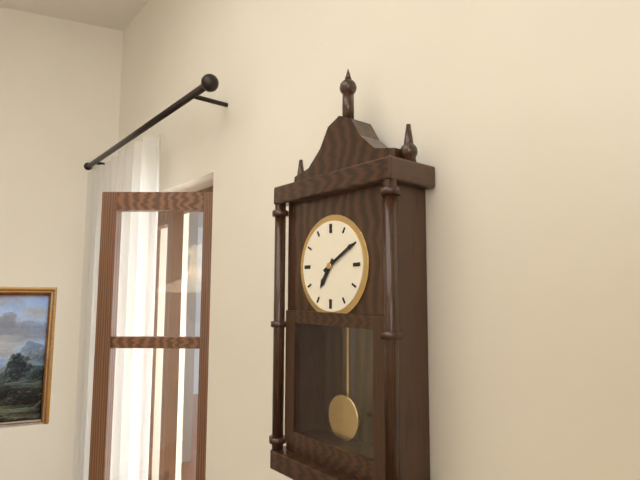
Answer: 7.10
